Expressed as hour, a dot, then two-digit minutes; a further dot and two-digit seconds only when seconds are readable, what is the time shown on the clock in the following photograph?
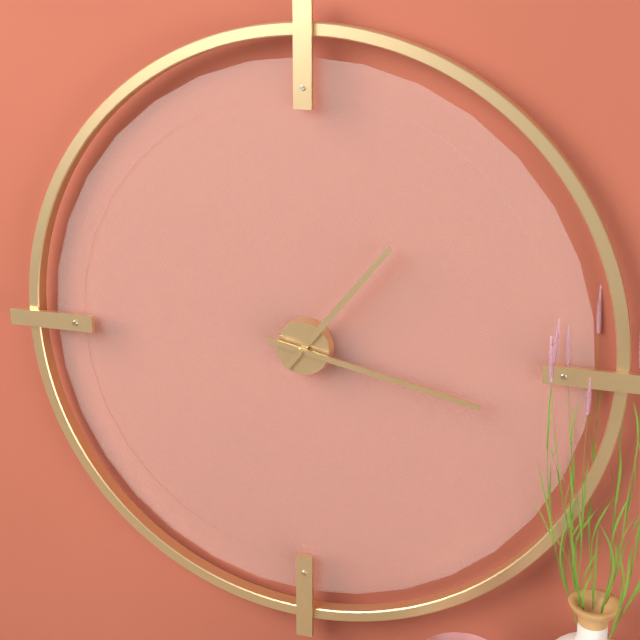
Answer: 1.17
